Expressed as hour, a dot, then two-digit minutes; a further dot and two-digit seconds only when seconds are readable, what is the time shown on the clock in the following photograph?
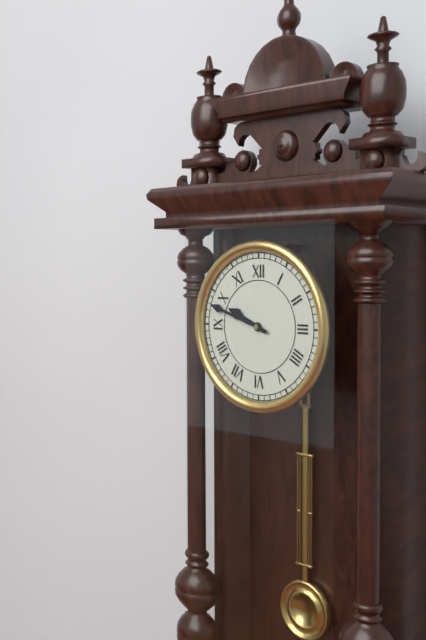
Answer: 9.48
